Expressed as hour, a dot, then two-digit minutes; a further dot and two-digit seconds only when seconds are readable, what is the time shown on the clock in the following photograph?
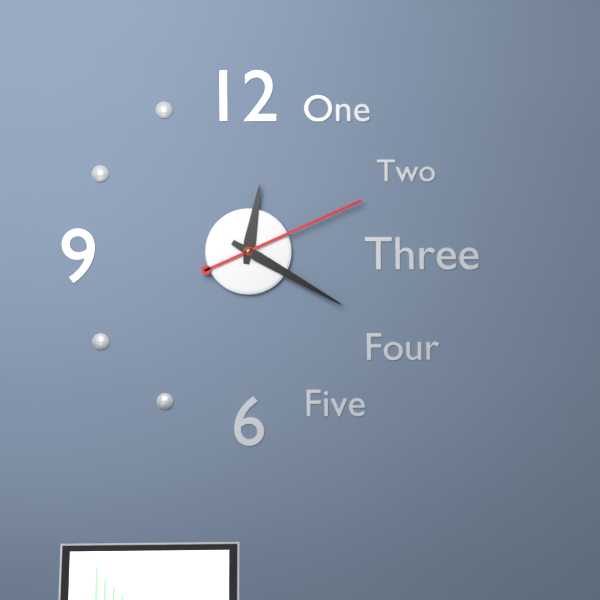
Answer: 12.20.11
